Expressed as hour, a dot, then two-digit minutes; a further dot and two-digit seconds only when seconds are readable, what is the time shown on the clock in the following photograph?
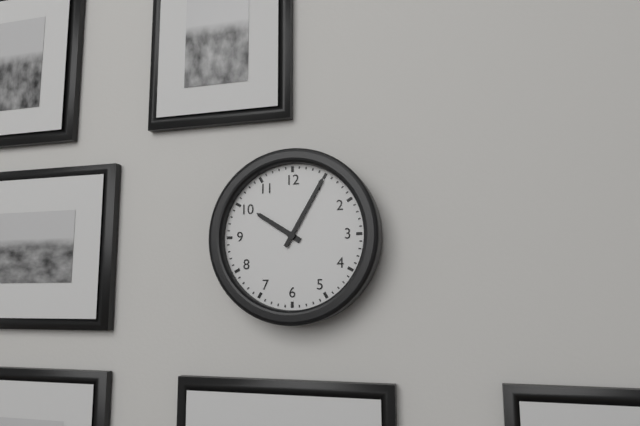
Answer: 10.05
